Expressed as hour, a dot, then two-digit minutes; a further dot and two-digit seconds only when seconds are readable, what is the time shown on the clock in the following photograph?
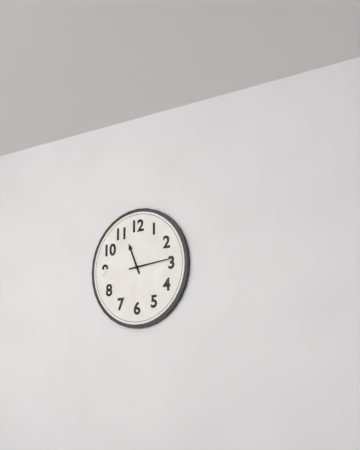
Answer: 11.14
